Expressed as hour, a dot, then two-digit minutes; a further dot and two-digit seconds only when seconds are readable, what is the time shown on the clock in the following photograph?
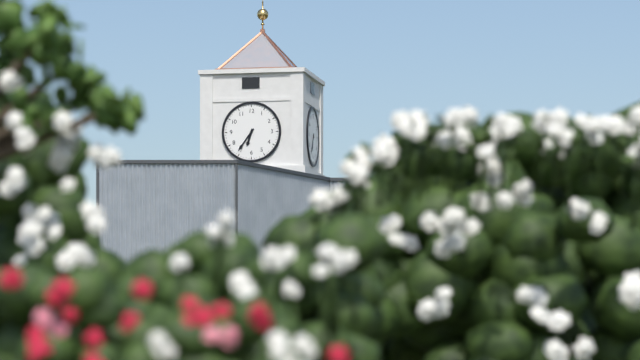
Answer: 6.36
